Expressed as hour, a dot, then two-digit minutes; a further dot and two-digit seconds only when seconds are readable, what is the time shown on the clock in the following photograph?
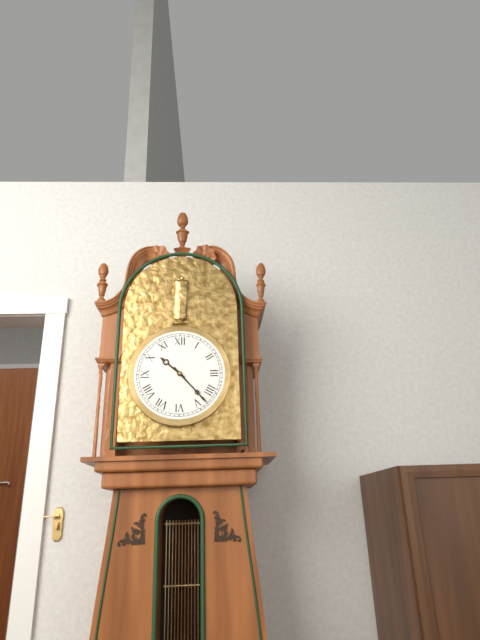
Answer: 10.23
